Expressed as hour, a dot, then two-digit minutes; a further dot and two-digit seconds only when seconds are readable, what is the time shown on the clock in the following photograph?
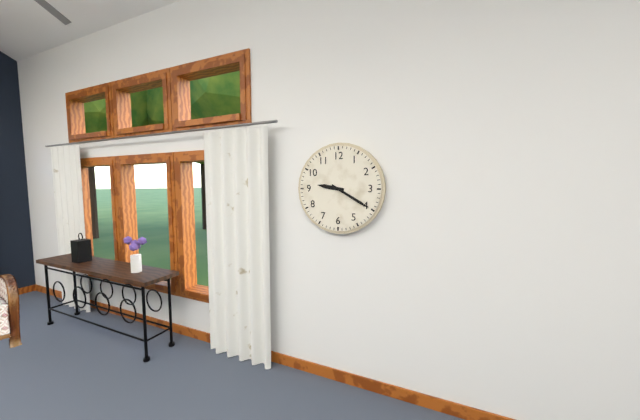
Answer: 9.20
